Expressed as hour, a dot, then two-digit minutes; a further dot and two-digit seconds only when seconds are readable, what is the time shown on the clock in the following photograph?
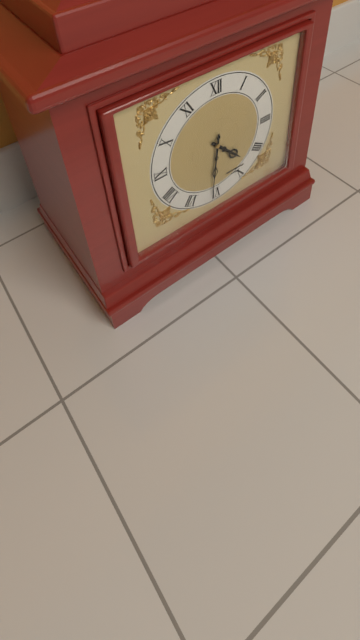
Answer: 4.31
